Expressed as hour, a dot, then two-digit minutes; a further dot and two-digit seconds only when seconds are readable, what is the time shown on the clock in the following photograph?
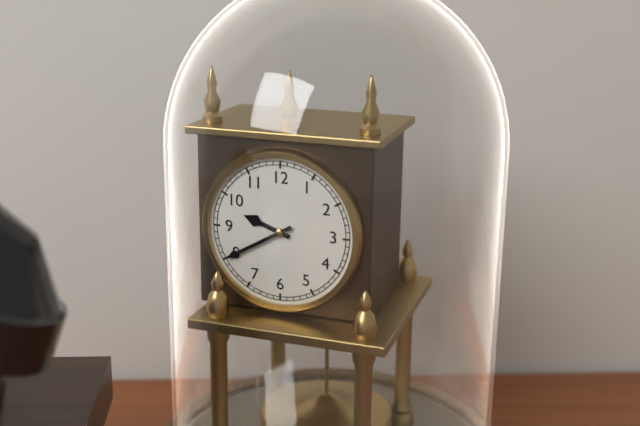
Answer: 9.40
